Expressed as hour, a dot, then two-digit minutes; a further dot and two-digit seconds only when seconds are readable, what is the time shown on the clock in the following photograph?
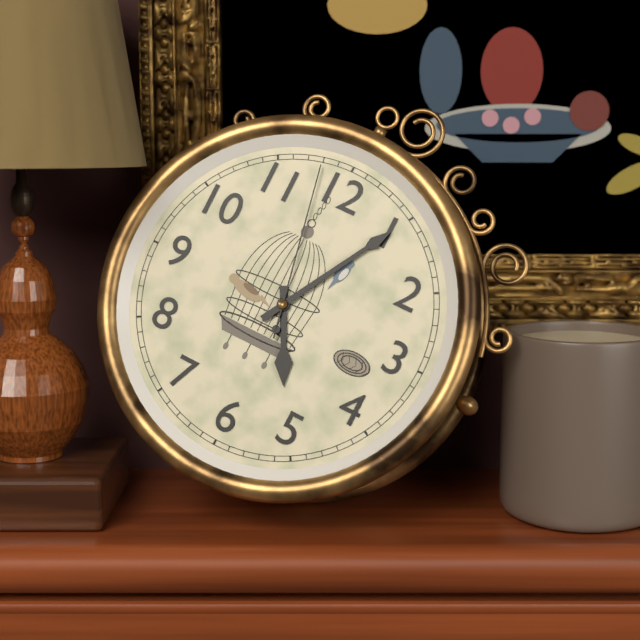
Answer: 5.05.58
